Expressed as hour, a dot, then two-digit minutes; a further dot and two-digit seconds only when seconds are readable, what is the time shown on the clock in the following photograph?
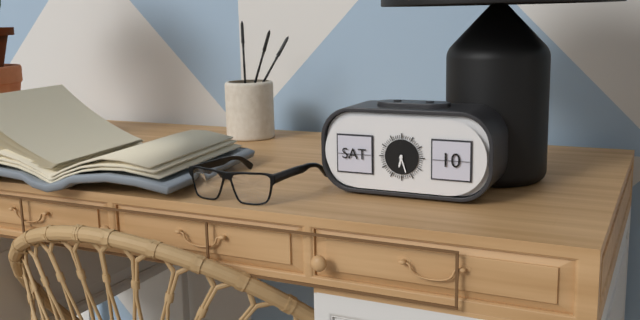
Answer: 6.27
